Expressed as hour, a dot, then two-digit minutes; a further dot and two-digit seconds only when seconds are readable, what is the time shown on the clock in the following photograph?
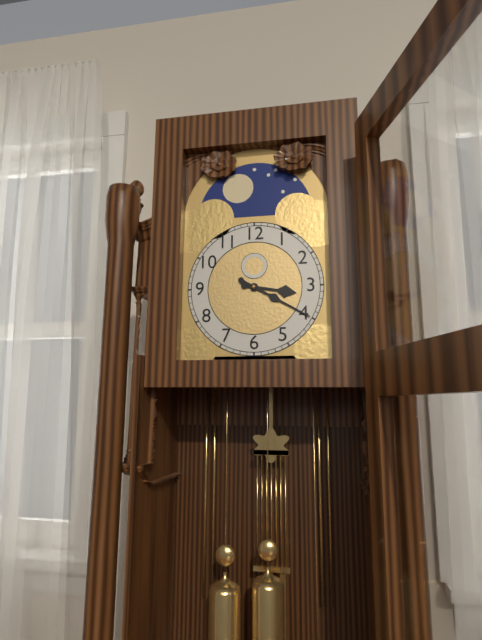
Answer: 3.20
